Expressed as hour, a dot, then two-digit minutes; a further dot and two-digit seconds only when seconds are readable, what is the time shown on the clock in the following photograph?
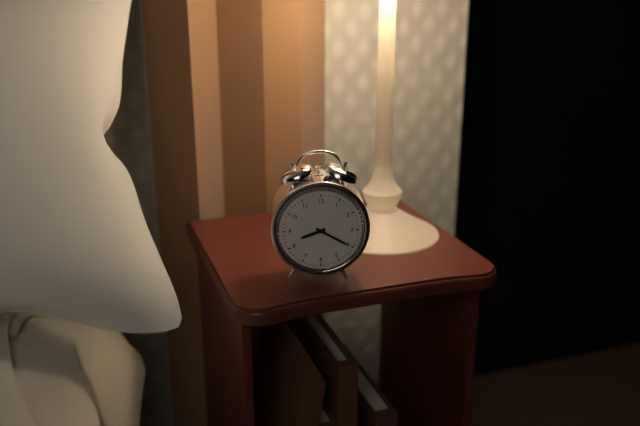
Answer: 8.20
